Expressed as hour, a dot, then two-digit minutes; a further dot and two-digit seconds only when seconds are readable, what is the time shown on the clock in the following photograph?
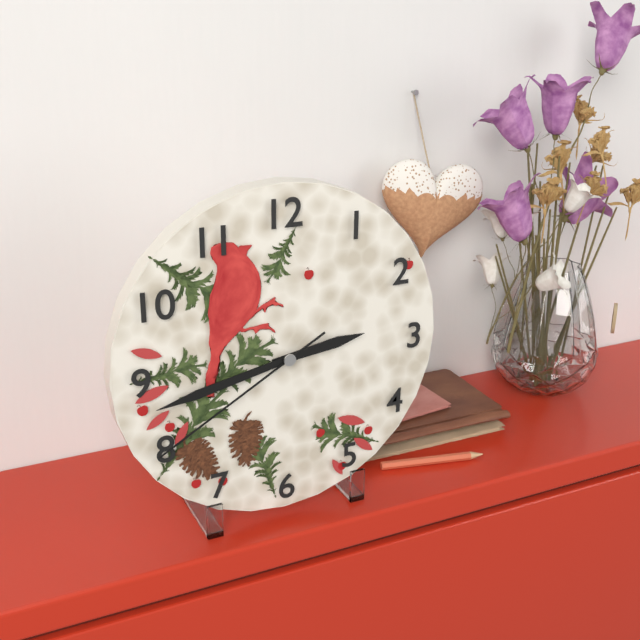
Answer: 2.43.40
